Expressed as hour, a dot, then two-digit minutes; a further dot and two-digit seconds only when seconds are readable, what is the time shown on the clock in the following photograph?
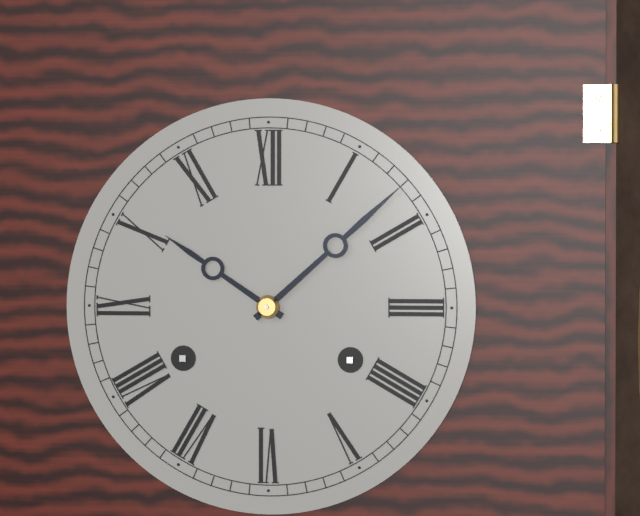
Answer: 10.08
